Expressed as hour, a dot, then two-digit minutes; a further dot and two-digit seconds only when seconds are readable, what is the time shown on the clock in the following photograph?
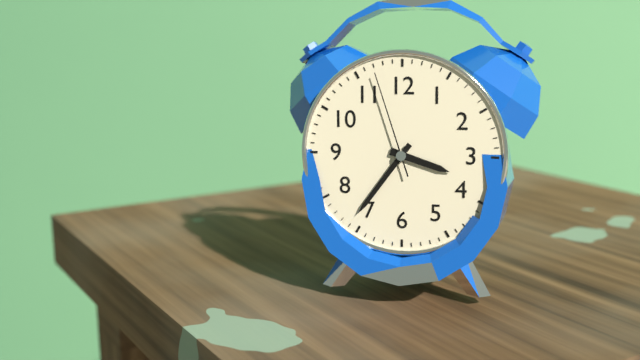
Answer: 3.36.57
